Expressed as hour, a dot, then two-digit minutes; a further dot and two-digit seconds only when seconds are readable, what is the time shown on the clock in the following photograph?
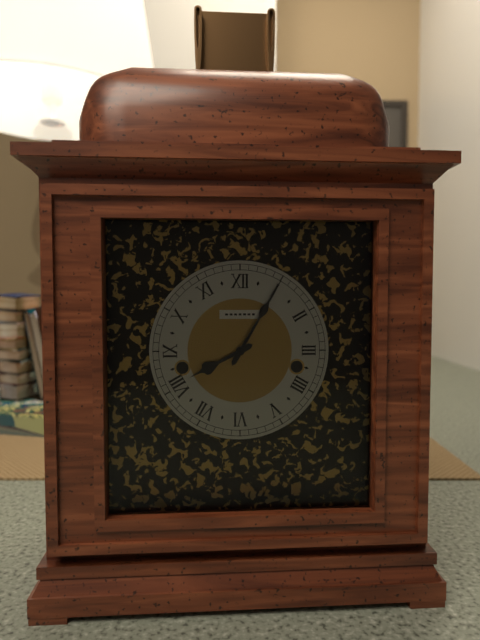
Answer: 8.05
